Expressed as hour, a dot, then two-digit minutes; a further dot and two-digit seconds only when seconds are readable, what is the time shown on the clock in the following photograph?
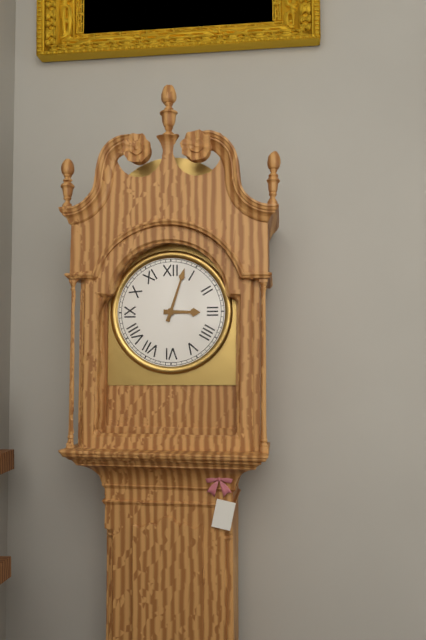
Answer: 3.03
